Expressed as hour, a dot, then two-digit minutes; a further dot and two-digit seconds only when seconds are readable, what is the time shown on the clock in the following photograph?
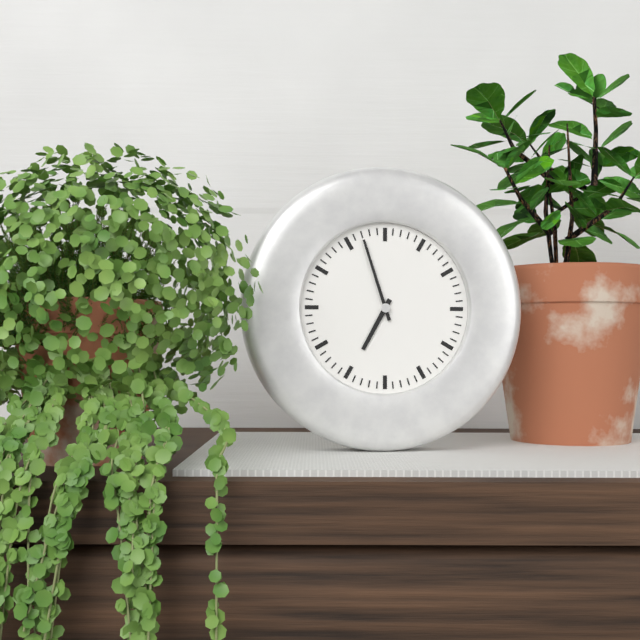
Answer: 6.57
